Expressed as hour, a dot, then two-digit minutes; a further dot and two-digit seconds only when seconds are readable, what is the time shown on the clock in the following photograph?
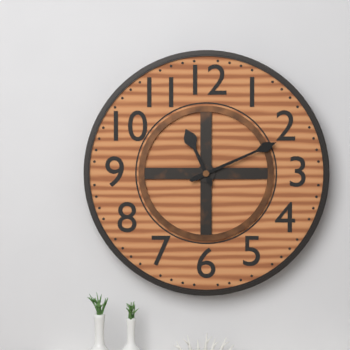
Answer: 11.11
